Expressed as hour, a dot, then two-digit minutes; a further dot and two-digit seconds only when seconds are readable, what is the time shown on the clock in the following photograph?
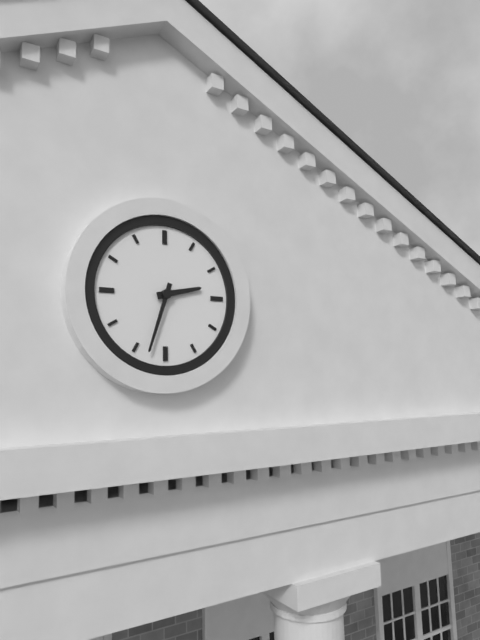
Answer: 2.33
